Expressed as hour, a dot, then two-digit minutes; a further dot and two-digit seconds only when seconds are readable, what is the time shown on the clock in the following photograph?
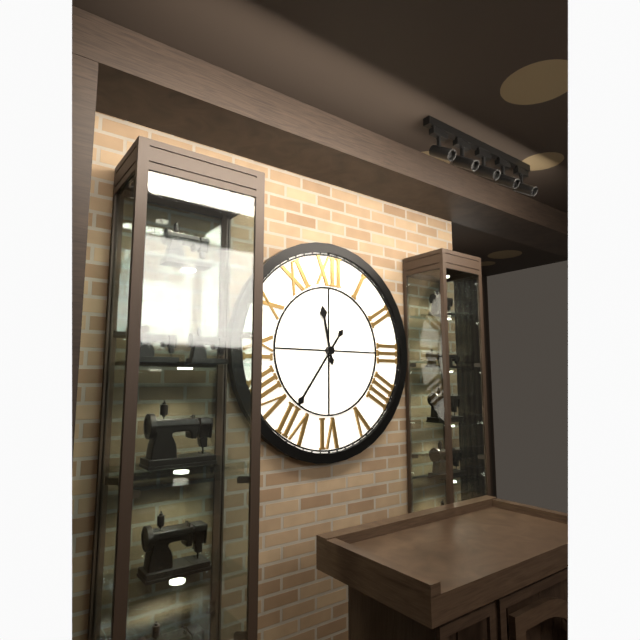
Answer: 11.36
